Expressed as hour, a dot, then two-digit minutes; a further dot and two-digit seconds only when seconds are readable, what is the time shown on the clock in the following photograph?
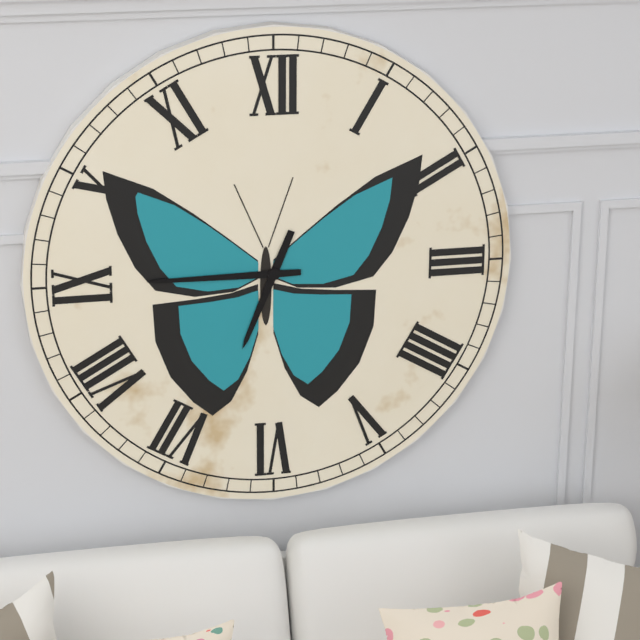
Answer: 6.45
